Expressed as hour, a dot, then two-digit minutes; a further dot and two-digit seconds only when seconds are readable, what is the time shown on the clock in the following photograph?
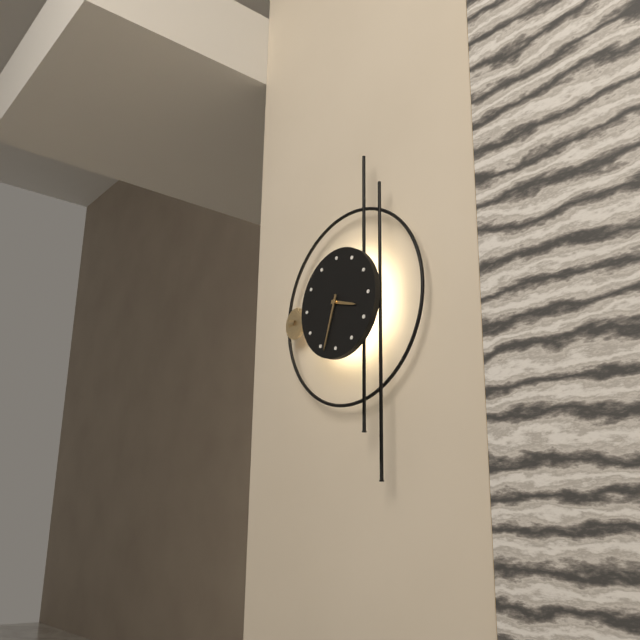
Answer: 3.33
